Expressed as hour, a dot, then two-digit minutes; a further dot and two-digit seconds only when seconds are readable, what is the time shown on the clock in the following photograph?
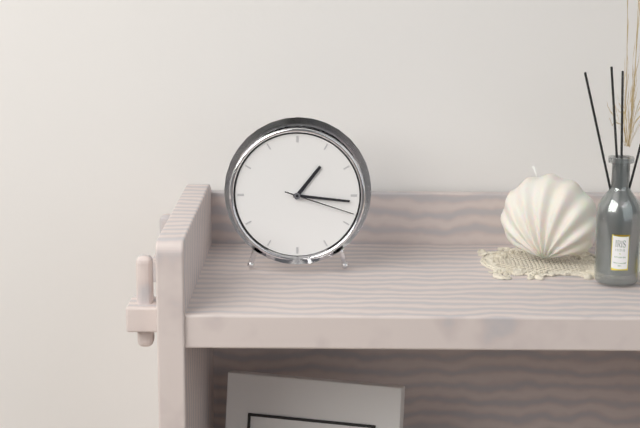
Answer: 1.16.18
